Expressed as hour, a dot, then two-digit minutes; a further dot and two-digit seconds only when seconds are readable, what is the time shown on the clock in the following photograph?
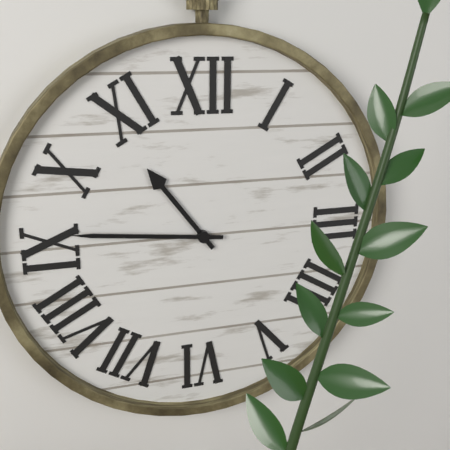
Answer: 10.46
